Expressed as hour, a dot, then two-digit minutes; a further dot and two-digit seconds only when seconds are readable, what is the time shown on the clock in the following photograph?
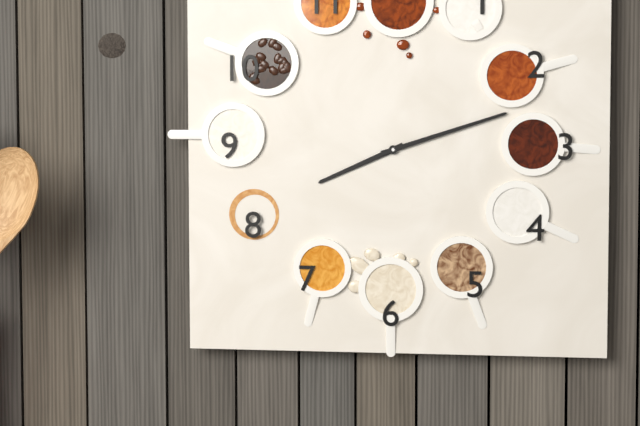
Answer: 8.12
